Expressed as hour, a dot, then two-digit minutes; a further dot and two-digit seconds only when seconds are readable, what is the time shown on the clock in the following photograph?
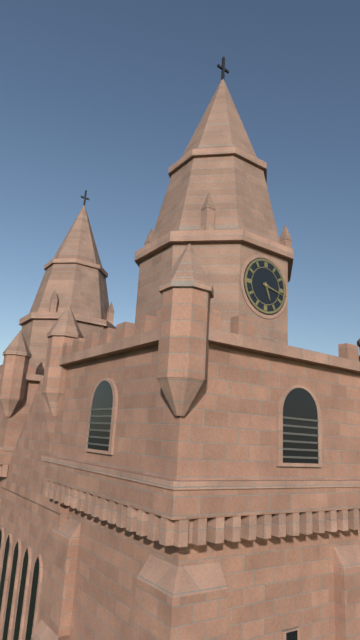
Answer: 5.17
